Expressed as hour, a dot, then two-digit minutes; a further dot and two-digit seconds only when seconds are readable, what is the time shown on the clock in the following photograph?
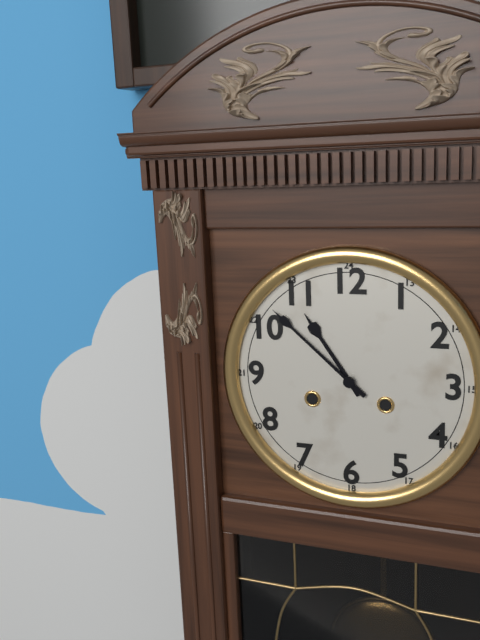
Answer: 10.52
